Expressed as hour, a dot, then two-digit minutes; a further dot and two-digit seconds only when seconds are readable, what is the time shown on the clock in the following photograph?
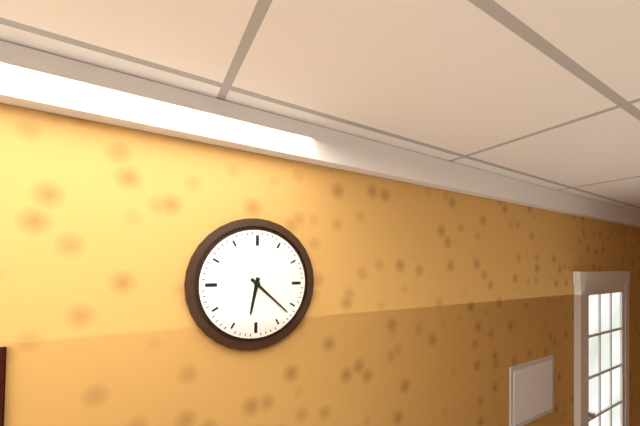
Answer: 6.22
